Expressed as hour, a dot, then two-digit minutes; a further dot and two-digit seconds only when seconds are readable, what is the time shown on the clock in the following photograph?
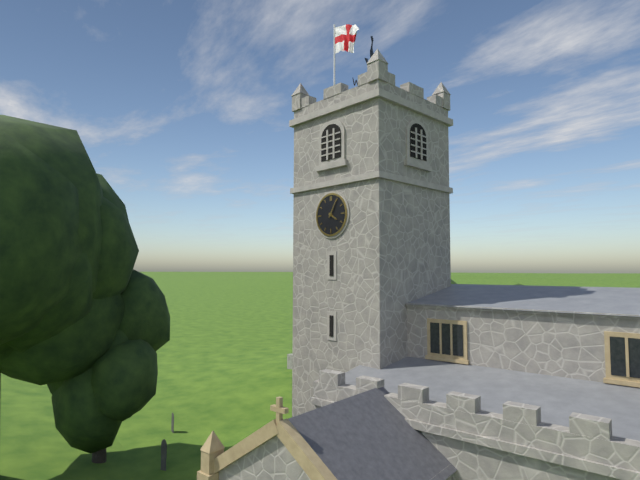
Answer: 4.05
